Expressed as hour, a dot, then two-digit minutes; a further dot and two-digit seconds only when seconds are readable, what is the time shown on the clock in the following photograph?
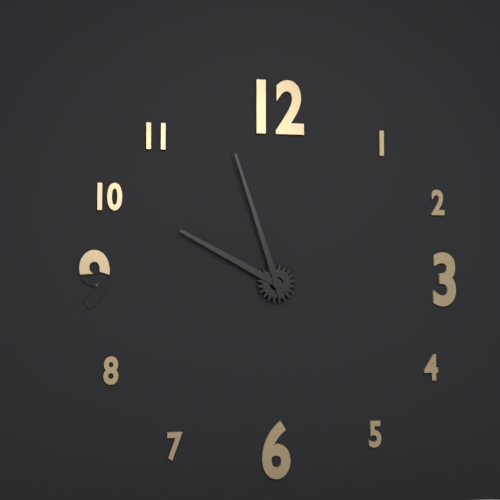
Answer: 9.57
